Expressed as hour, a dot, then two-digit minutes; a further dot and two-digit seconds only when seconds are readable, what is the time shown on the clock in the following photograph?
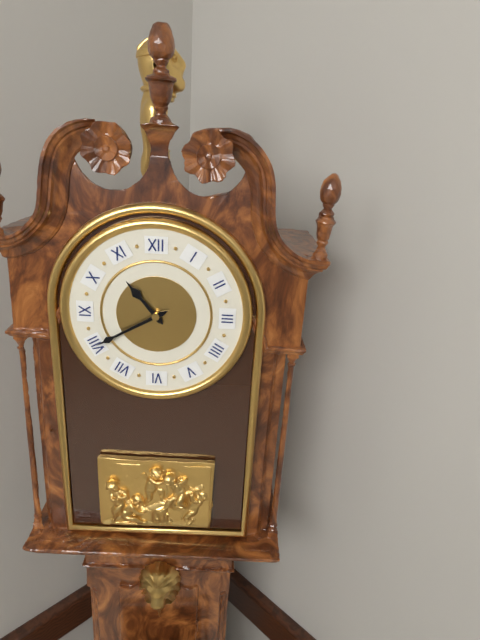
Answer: 10.40
